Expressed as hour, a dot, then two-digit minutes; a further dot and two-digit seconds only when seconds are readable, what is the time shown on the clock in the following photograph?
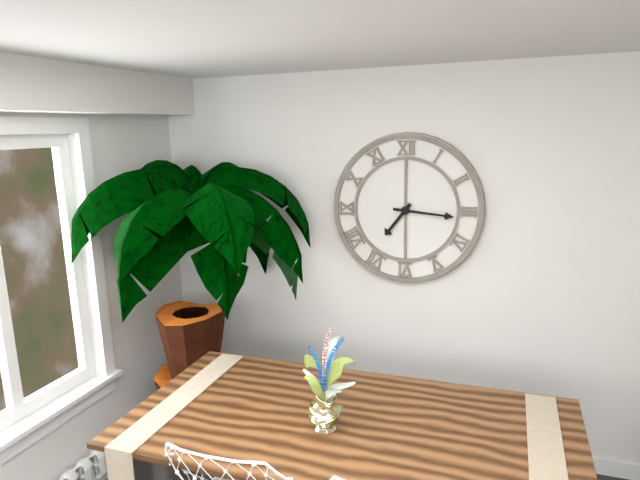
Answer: 7.16
